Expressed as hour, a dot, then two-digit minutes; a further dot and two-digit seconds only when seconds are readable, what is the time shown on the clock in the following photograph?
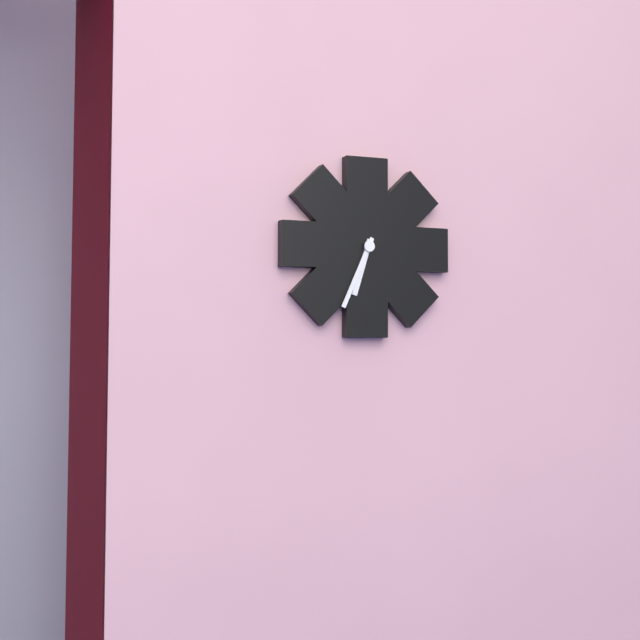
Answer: 6.34
